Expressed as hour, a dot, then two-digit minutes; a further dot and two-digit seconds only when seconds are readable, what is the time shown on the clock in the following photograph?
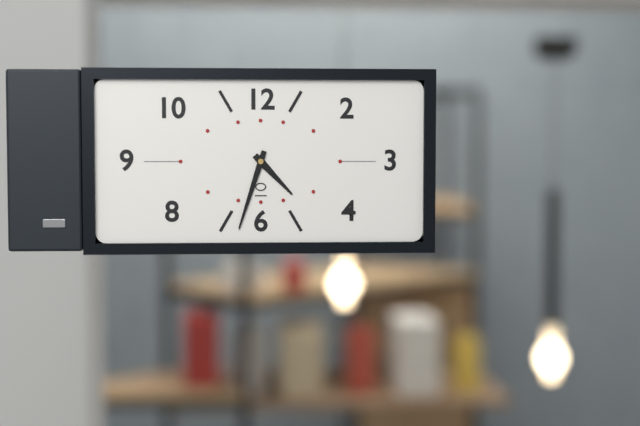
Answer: 4.33
